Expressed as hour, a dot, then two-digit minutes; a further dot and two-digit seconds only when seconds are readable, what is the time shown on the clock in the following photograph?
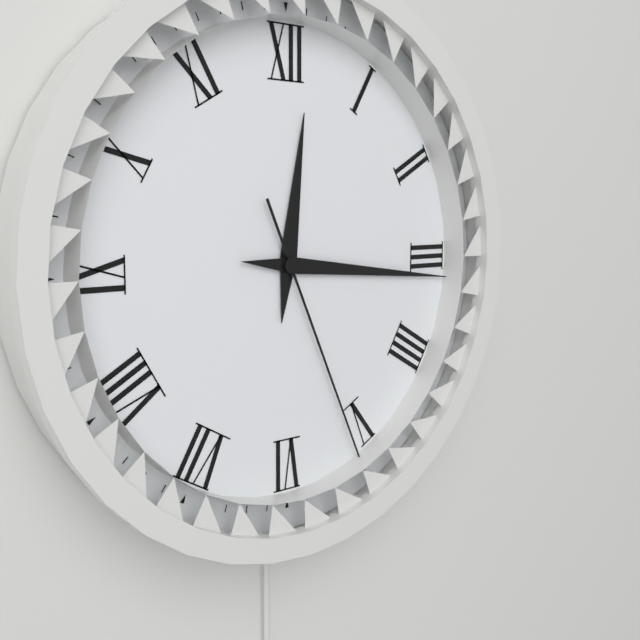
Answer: 12.16.26
